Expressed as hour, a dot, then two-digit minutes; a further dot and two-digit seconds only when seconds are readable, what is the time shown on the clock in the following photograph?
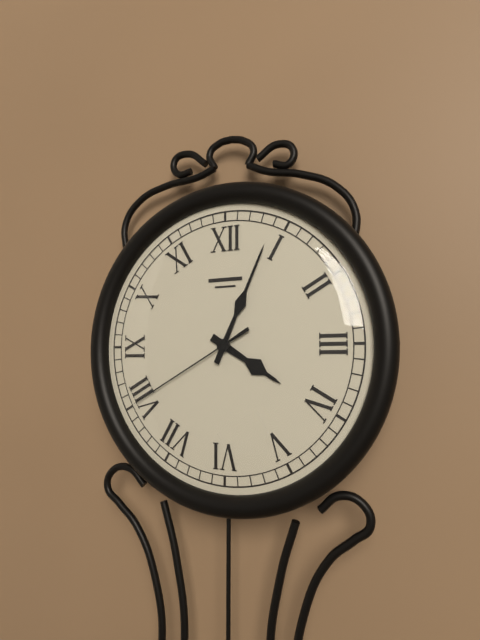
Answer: 4.04.40
